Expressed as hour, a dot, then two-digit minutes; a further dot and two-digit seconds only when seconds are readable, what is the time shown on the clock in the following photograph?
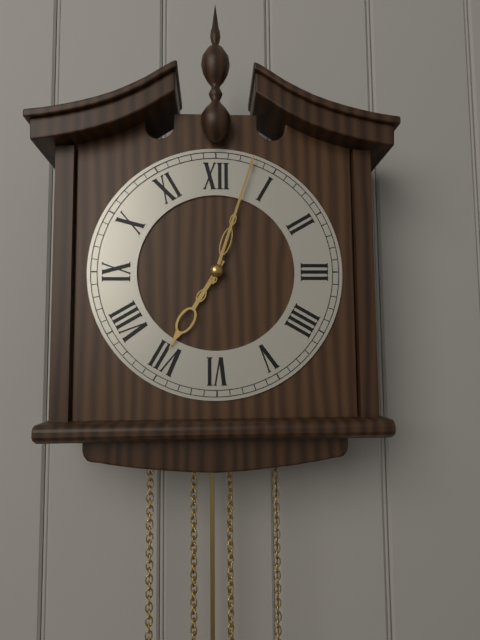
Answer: 7.03
